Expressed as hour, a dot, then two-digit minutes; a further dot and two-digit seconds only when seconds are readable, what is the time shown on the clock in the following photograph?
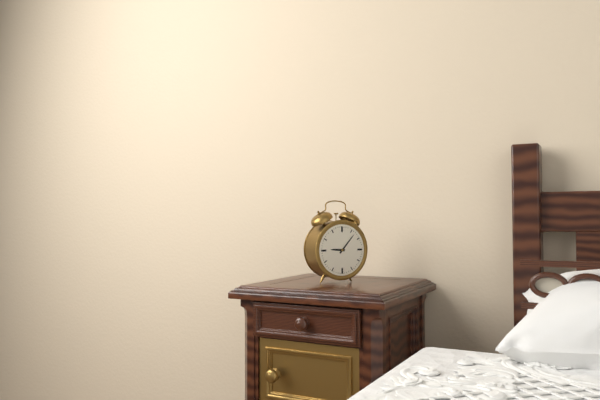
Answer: 9.07
